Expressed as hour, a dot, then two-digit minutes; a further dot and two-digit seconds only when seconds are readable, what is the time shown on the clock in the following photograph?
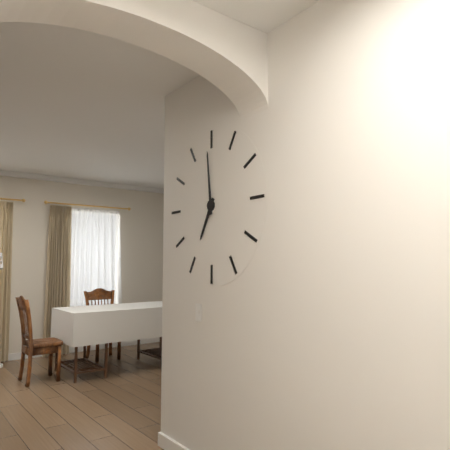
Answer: 6.59
